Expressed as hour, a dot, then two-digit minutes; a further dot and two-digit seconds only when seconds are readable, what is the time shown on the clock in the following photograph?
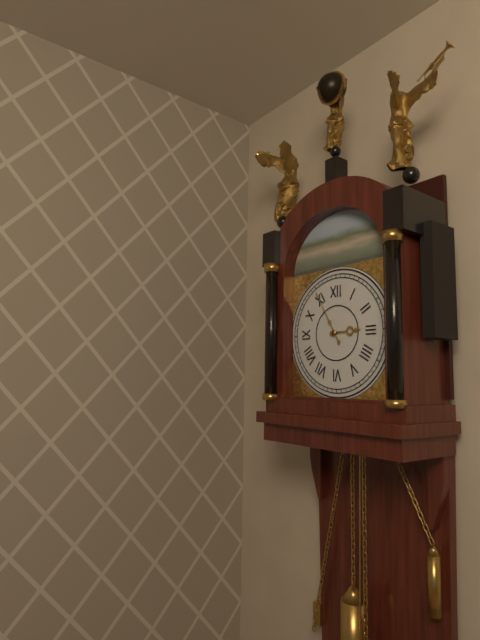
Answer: 2.55
